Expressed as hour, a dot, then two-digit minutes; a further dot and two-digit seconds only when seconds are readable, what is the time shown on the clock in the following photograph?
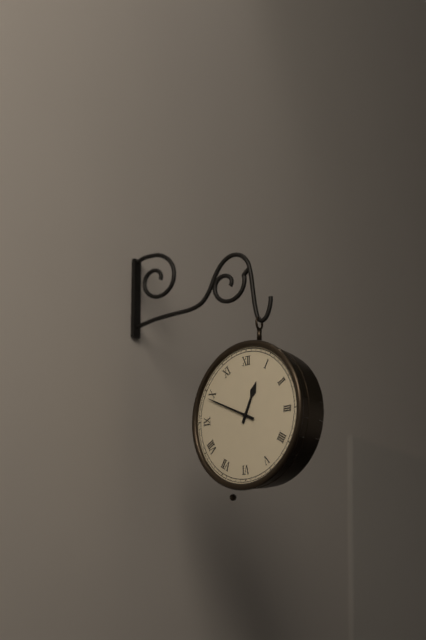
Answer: 12.49
